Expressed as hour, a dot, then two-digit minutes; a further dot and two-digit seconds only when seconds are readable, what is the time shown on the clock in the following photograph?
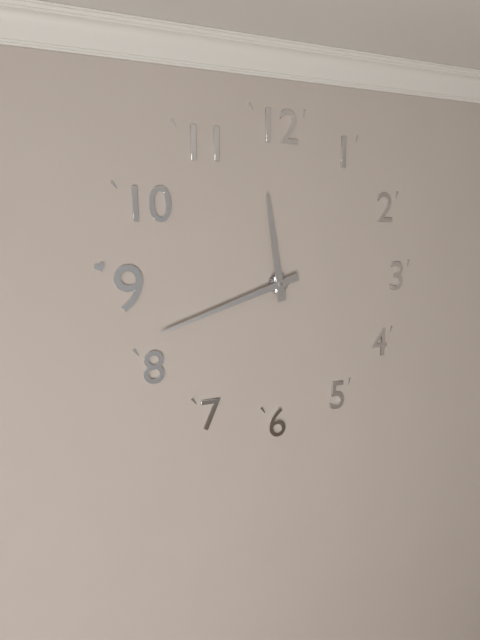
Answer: 11.42
